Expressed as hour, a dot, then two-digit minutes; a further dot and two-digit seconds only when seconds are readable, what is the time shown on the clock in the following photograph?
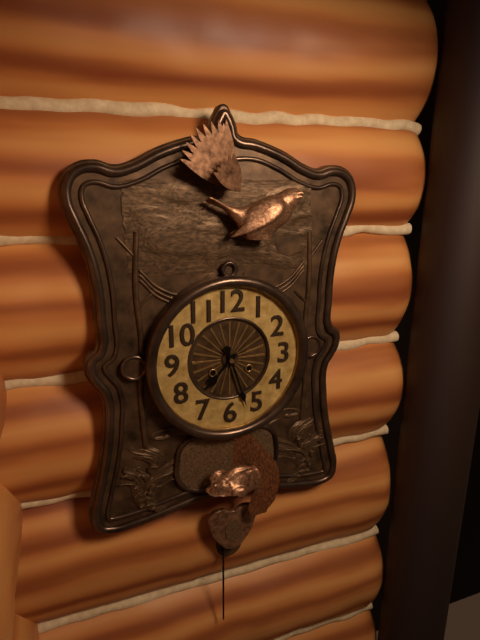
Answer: 7.27
